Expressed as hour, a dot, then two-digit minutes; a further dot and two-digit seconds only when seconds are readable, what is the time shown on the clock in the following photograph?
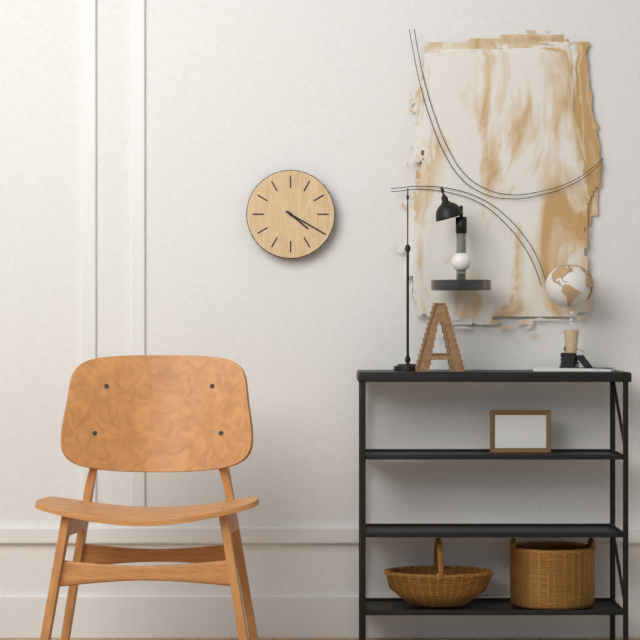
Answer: 4.20
